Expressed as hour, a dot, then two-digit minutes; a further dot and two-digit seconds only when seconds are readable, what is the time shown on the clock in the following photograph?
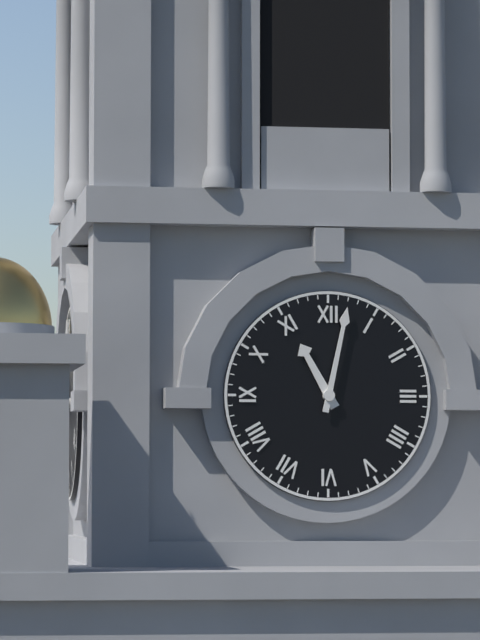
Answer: 11.02
